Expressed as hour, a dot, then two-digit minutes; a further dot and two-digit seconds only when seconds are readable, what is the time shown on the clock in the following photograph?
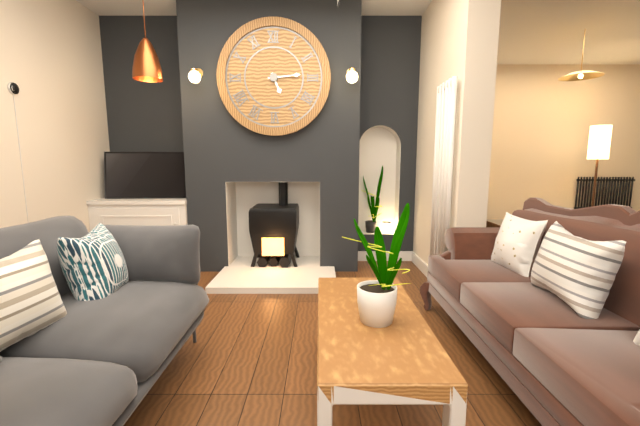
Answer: 5.14
